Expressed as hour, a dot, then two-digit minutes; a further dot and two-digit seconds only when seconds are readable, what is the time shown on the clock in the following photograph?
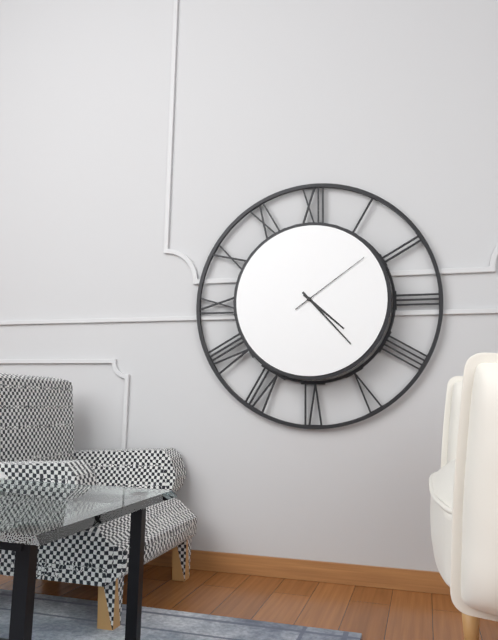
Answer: 4.23.09
